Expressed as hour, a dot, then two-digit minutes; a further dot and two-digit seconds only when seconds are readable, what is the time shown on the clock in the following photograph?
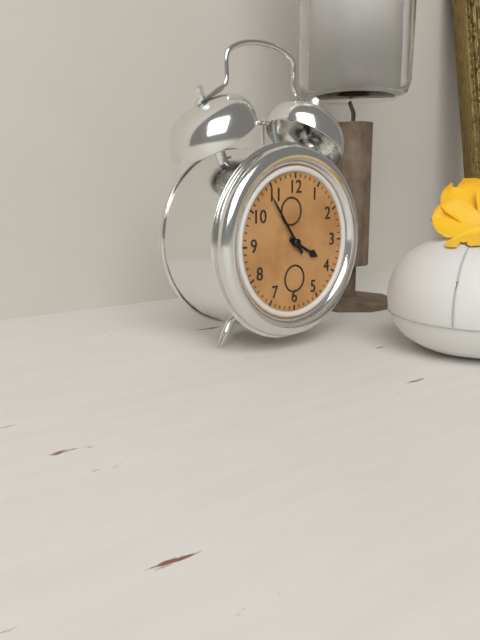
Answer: 3.54
